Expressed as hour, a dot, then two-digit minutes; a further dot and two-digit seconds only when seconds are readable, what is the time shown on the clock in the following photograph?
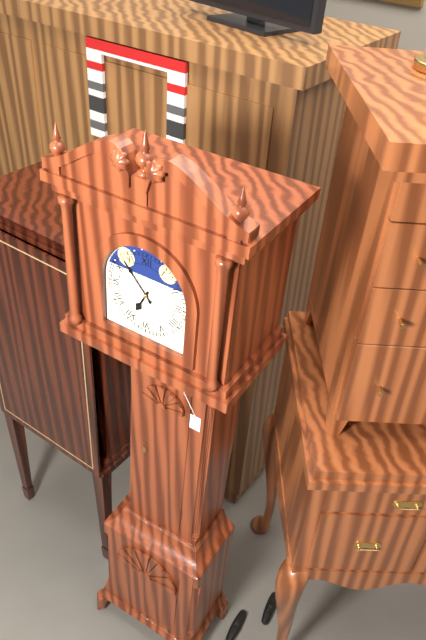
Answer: 6.53
